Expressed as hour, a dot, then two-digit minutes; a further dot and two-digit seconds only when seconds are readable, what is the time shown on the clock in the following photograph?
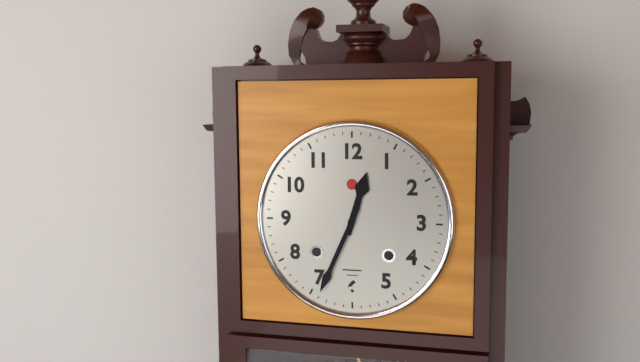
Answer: 12.34
